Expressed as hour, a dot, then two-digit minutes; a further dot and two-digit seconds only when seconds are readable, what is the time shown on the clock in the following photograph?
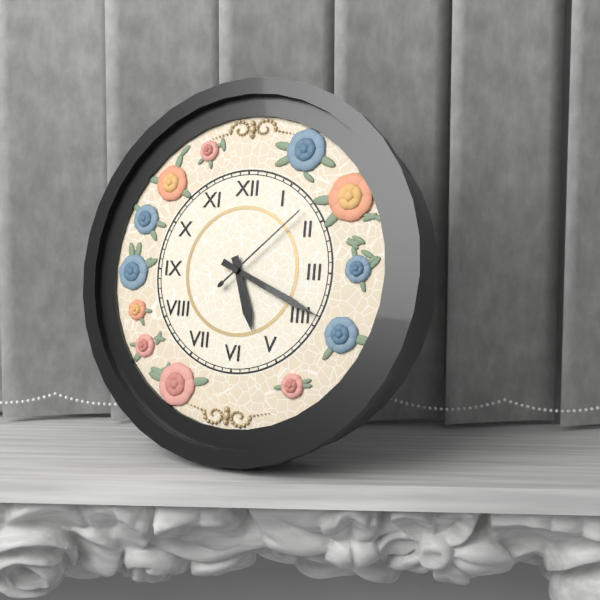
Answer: 5.19.08
